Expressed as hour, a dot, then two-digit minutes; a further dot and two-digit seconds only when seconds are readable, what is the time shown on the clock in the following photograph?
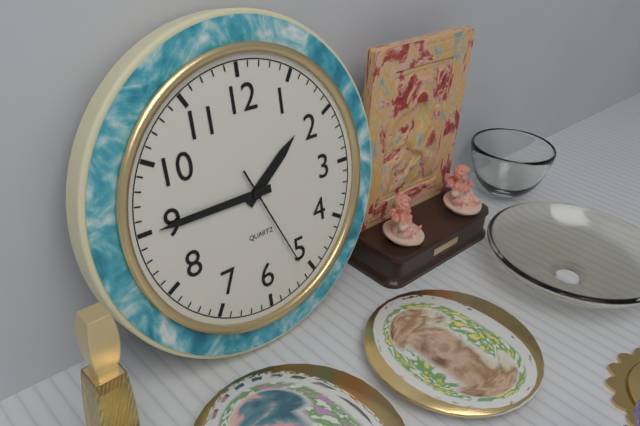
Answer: 1.45.26
